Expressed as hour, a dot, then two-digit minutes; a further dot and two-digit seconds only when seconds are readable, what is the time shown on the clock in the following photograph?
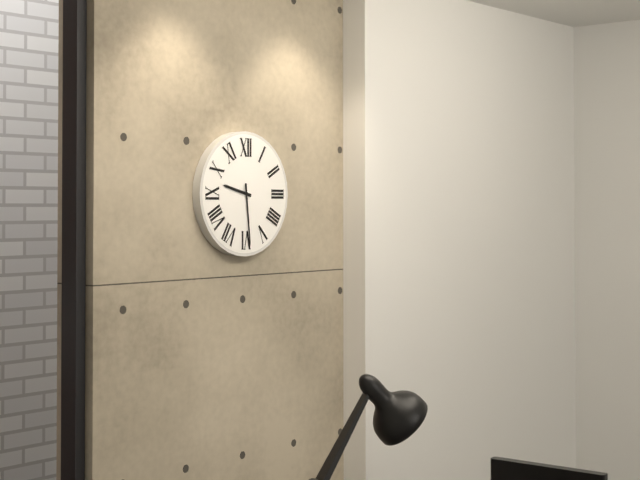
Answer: 9.29
